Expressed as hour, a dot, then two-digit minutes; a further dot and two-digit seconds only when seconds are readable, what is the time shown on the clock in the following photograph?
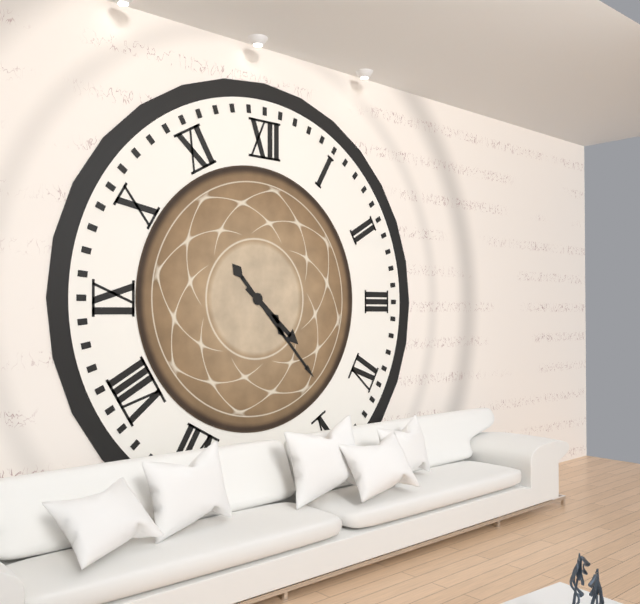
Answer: 4.23
